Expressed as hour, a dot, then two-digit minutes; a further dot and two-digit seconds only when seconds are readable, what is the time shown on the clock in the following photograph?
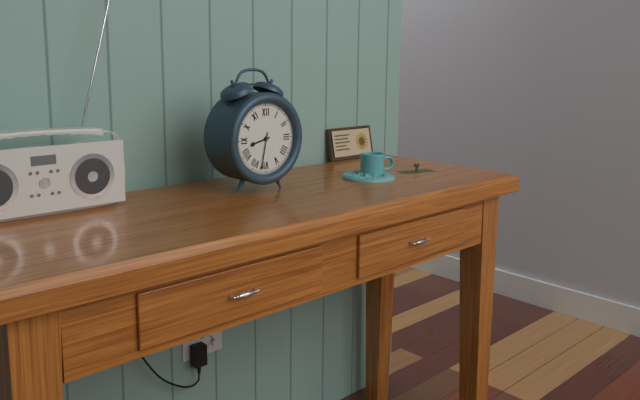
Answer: 8.32
